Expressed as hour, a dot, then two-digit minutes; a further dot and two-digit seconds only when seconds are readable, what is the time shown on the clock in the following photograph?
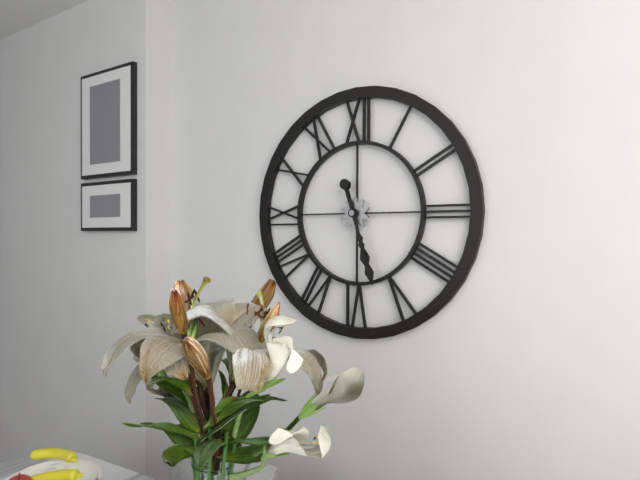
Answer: 5.27
